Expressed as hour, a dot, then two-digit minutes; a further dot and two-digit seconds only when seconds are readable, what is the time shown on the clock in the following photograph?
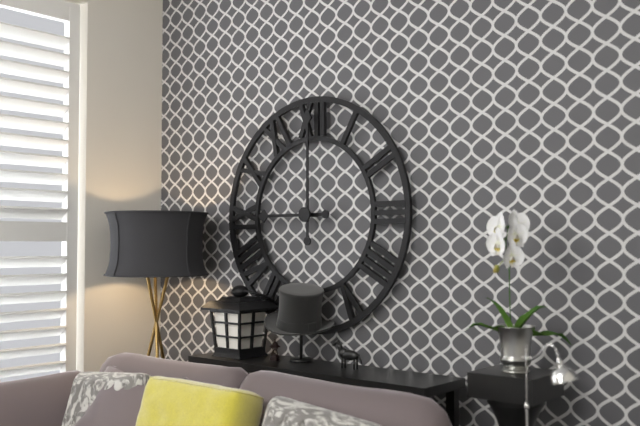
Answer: 9.00
